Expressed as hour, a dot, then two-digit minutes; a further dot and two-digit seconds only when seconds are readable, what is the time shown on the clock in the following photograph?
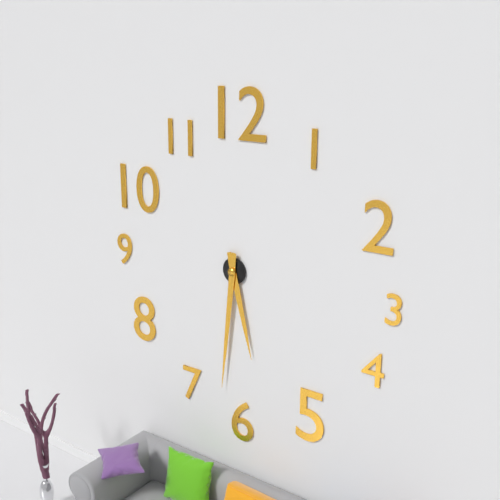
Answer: 5.31
